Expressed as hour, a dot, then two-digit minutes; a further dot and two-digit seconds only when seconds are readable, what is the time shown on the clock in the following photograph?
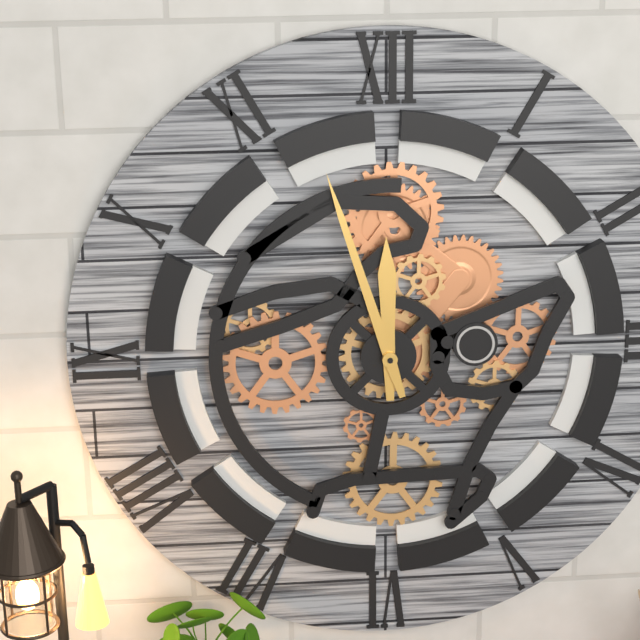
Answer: 11.57
